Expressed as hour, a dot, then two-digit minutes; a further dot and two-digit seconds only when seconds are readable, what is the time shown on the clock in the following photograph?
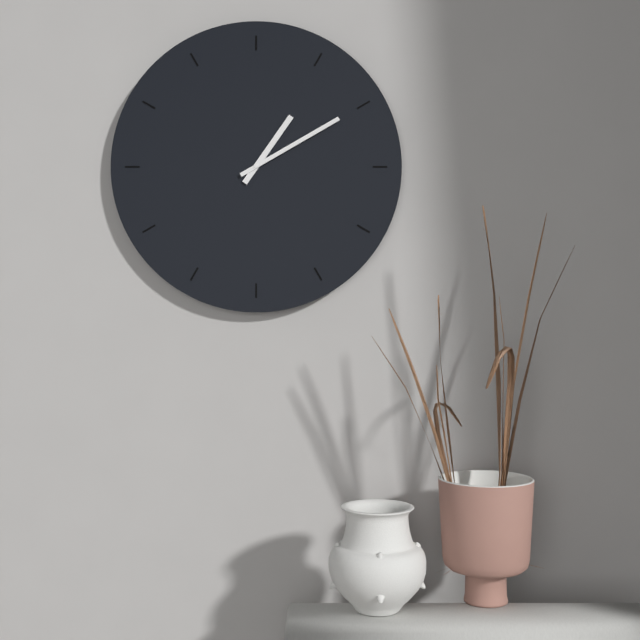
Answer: 1.10
